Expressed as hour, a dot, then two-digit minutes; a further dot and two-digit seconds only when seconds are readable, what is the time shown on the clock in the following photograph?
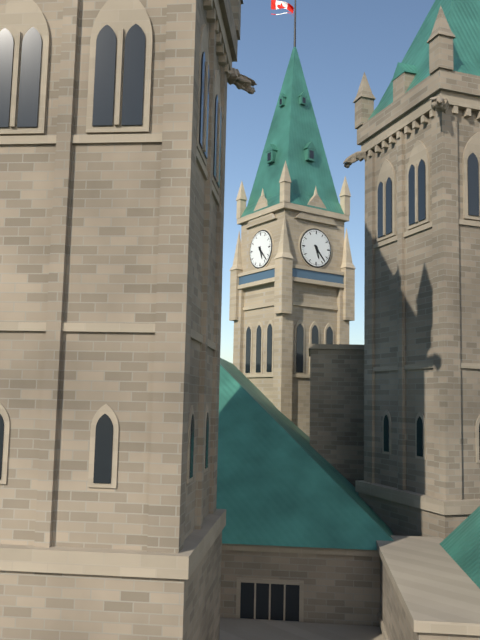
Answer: 5.23
